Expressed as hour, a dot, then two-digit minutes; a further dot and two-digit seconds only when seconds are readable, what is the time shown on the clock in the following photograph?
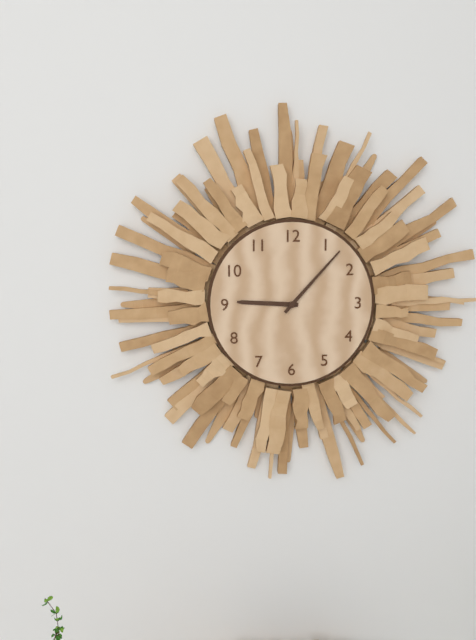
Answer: 9.07
